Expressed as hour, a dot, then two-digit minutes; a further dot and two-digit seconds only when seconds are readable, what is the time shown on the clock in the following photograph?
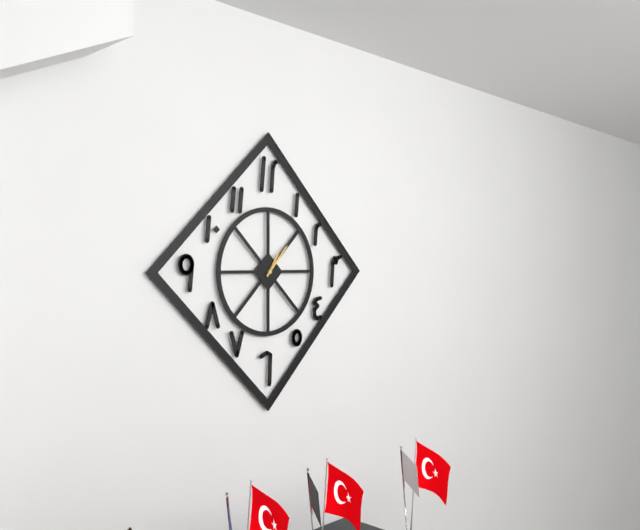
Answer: 1.07
